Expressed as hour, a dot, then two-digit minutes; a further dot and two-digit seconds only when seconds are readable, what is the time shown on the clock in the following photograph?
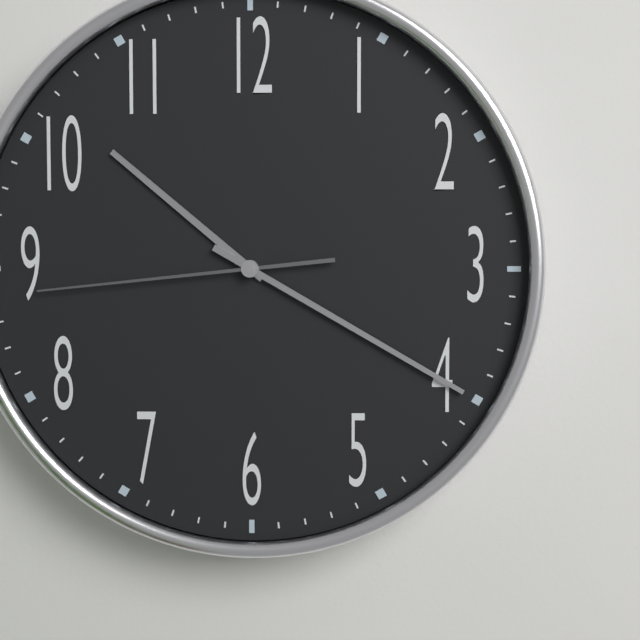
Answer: 10.20.44
